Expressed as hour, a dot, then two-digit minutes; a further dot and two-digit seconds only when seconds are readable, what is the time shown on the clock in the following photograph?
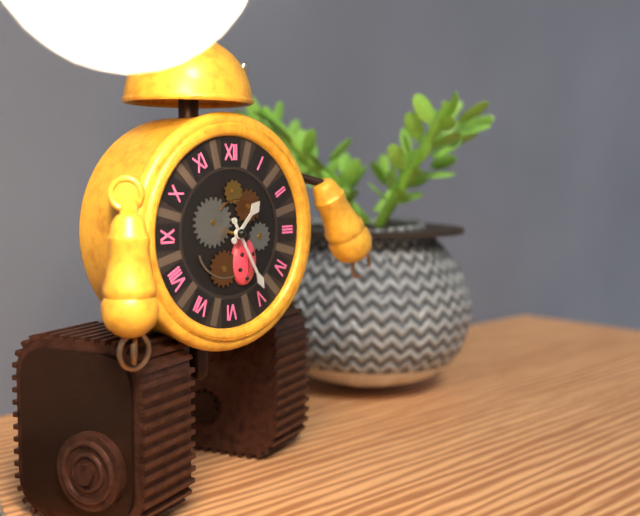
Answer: 1.25
